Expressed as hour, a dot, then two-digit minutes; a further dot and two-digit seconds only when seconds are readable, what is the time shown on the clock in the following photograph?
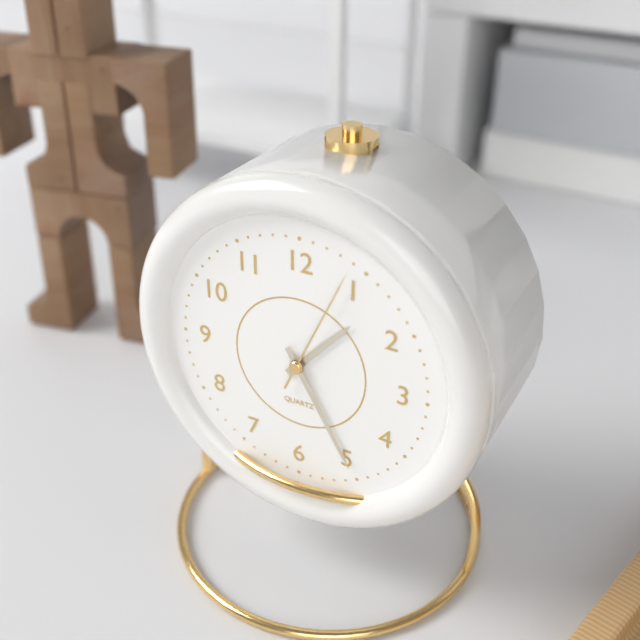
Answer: 1.25.04
